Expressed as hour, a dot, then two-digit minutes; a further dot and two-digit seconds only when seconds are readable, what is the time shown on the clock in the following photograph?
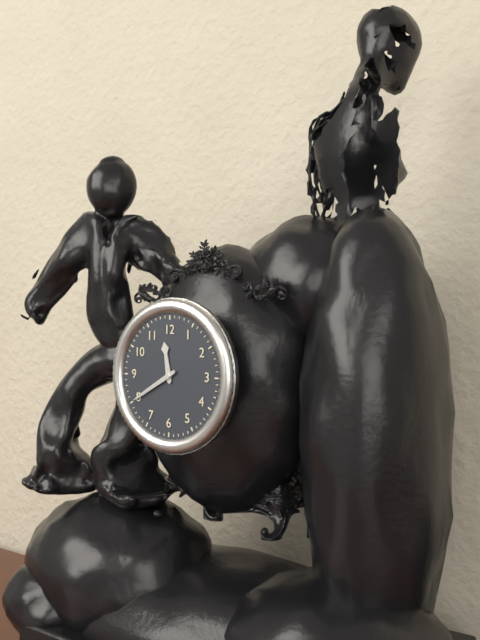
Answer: 11.40
